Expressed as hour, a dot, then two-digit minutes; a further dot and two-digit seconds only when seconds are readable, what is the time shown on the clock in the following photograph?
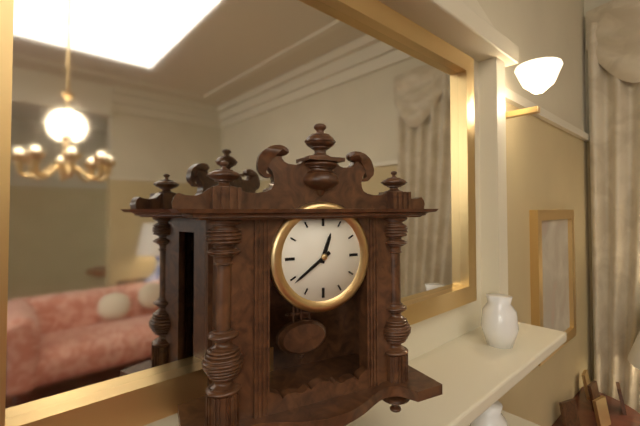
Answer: 12.39
